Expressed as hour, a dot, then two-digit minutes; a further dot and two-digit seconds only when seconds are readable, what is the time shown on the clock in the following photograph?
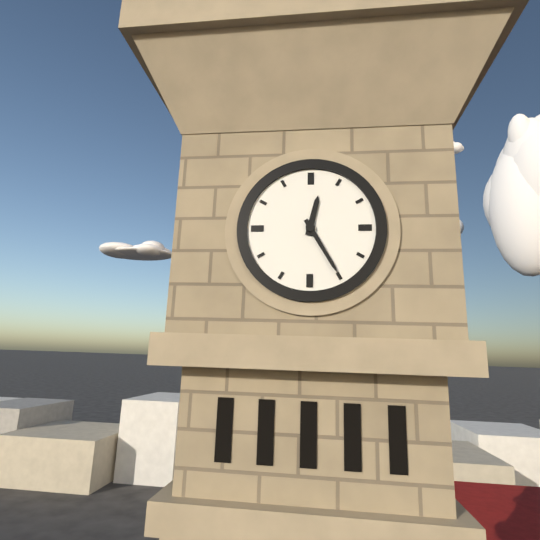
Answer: 12.25
